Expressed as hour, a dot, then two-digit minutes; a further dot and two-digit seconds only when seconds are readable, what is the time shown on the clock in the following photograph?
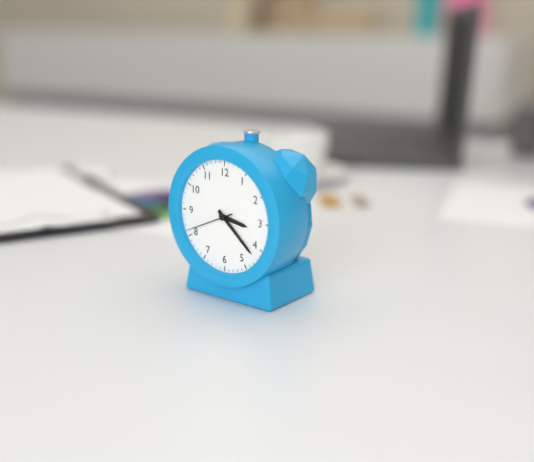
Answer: 3.22
